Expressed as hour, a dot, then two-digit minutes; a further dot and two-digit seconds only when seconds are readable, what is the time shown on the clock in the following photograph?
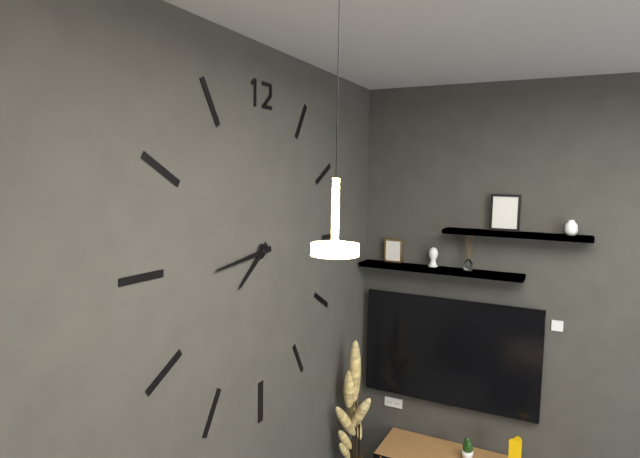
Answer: 7.44
